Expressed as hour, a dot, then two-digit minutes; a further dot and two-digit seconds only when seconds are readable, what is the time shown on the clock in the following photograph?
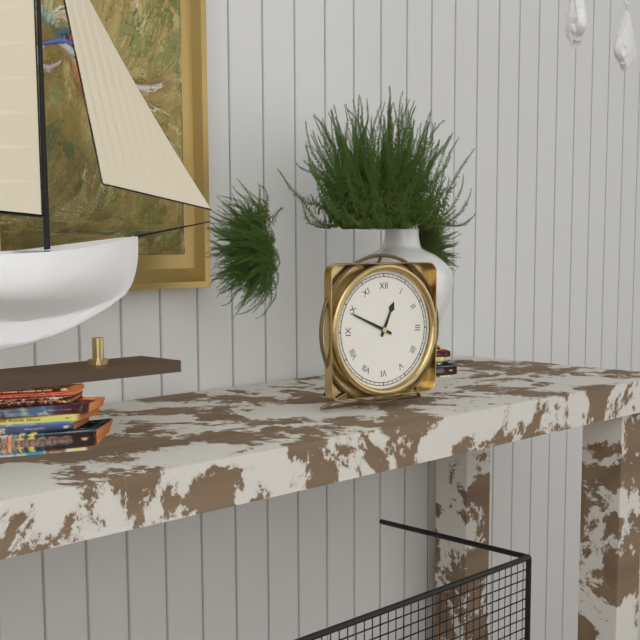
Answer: 12.49
